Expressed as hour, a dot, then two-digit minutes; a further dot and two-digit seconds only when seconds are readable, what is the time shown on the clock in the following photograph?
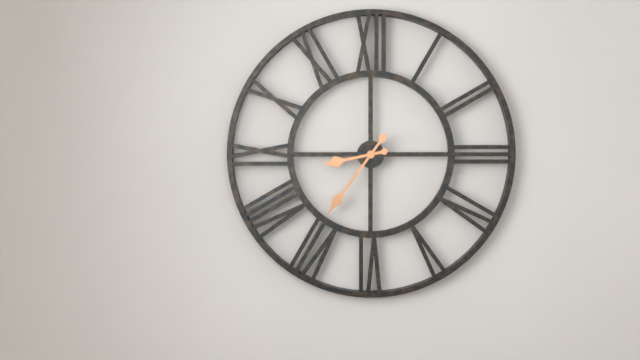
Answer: 8.36
